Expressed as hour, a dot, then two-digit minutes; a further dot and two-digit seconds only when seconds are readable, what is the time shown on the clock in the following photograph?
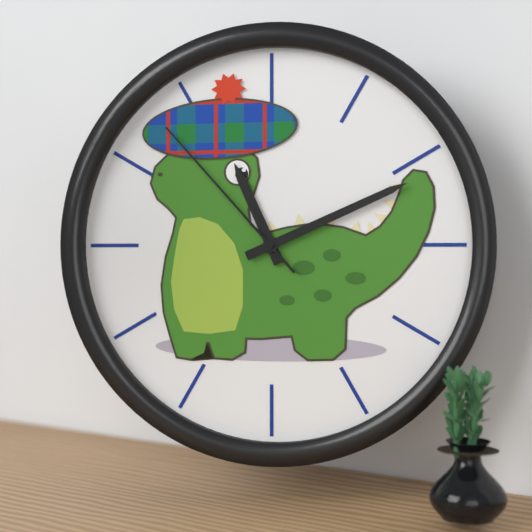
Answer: 11.11.53
